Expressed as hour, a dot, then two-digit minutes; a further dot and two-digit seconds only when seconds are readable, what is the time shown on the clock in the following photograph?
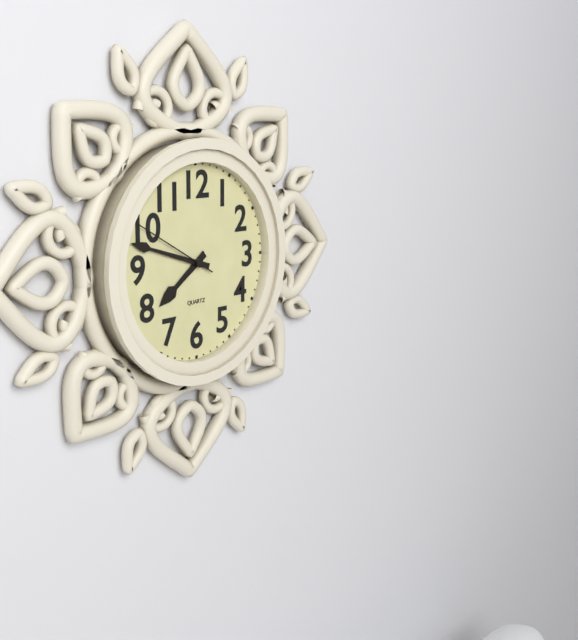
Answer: 7.48.50
